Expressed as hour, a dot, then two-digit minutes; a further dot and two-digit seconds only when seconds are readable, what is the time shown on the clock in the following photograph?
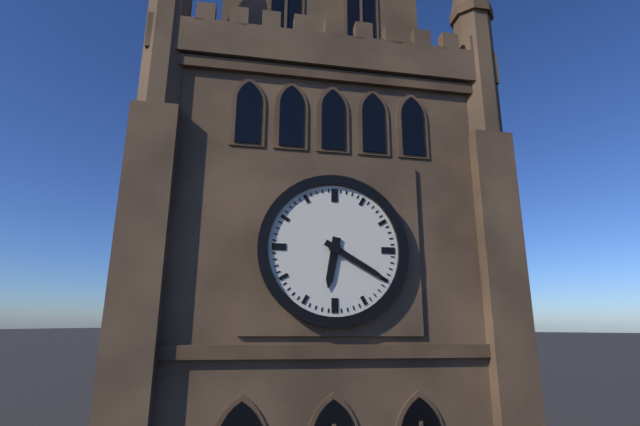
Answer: 6.20
